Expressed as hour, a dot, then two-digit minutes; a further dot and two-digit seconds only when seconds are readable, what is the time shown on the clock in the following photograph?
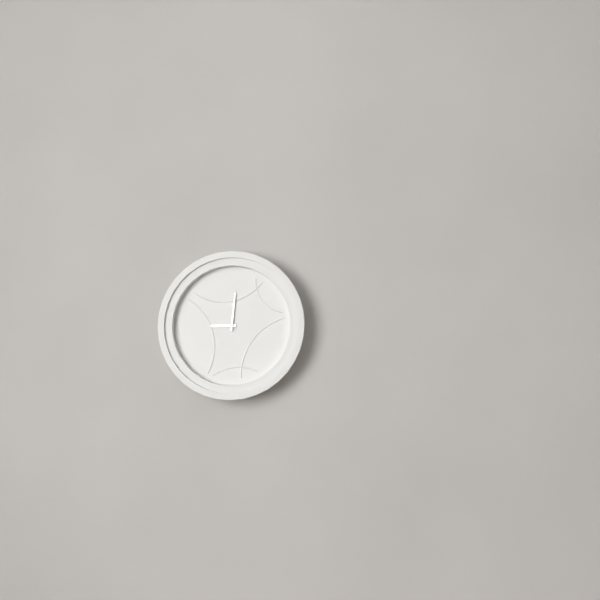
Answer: 9.01
